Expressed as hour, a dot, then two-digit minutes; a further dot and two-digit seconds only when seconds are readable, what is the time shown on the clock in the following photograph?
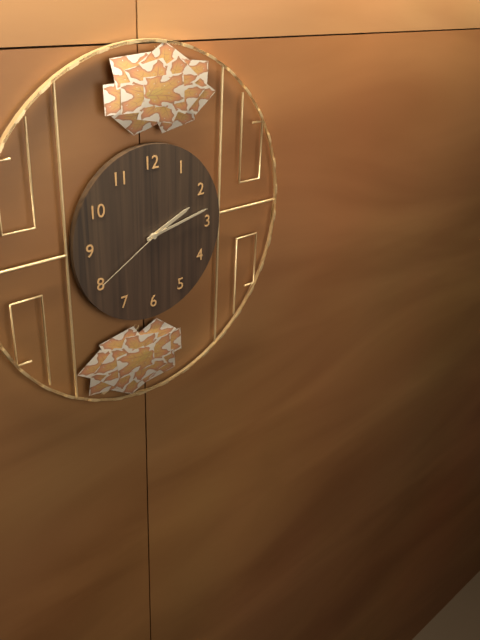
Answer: 2.13.40
